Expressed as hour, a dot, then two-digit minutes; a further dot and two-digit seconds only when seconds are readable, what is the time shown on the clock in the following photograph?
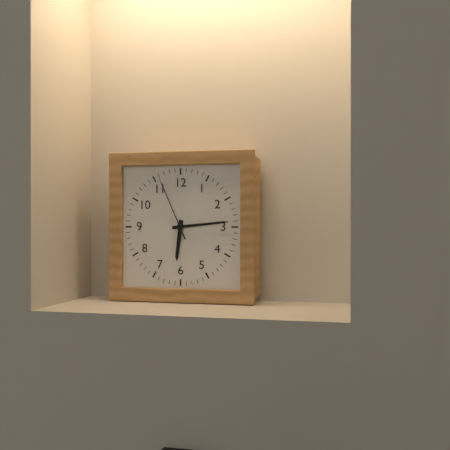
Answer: 6.14.56
